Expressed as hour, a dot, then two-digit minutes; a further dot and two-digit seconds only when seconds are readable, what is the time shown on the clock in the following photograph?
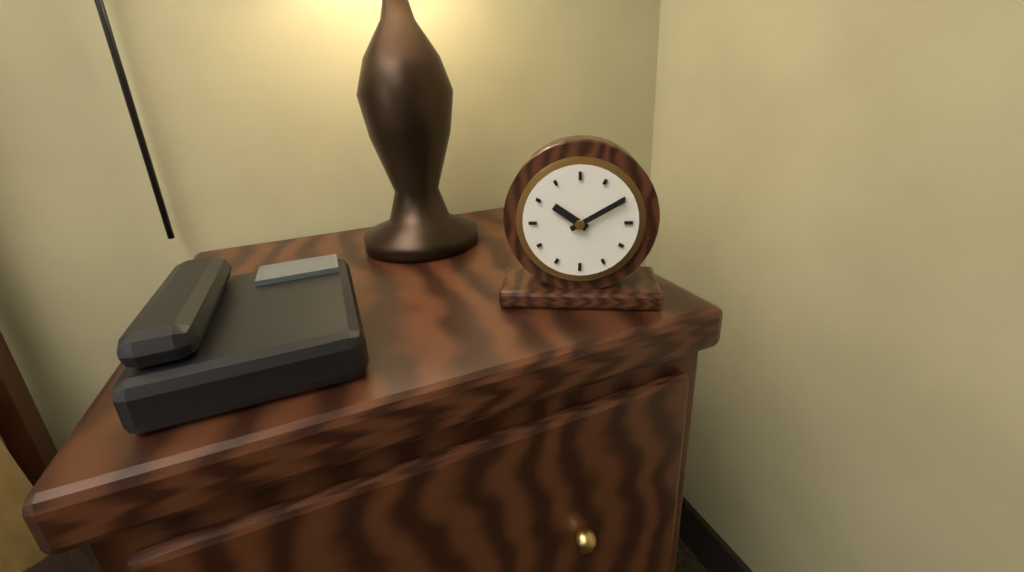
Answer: 10.10
